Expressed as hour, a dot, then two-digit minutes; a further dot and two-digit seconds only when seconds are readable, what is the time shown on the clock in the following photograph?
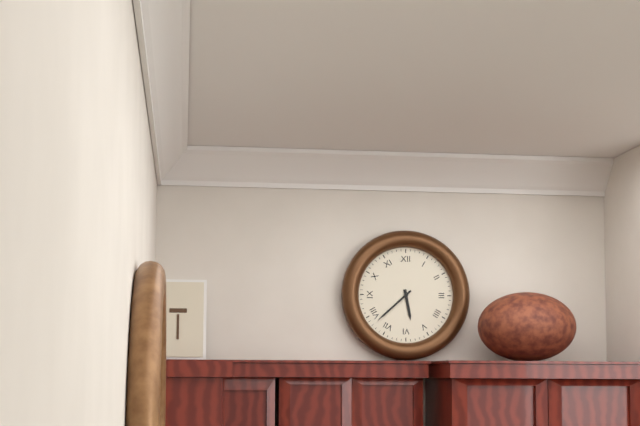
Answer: 5.38
